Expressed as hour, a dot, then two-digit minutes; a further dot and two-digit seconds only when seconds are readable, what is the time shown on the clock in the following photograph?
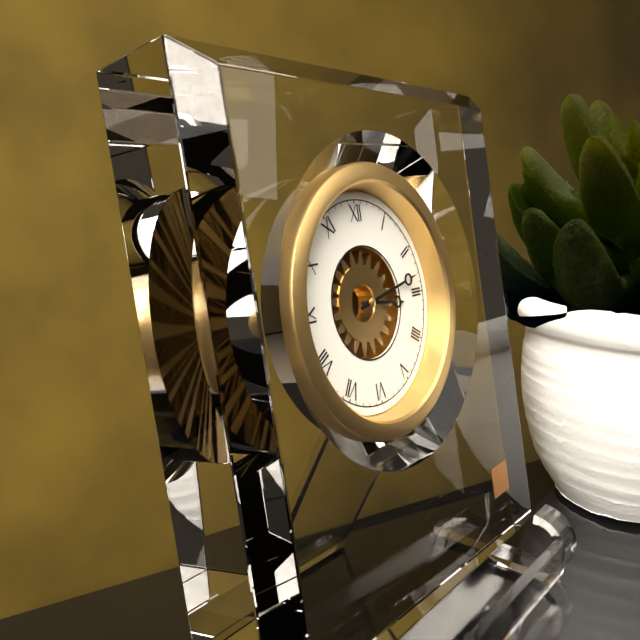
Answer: 3.13
